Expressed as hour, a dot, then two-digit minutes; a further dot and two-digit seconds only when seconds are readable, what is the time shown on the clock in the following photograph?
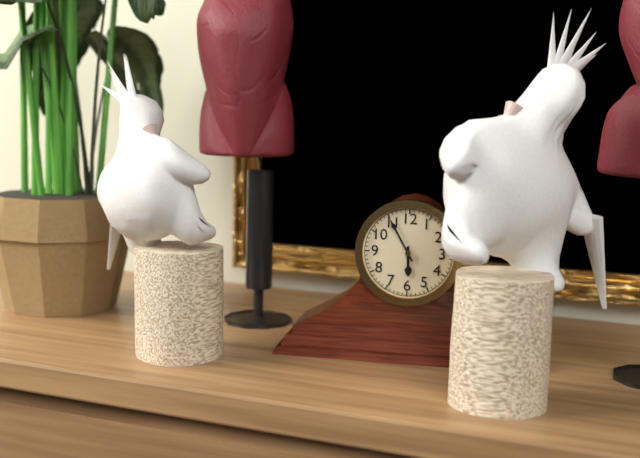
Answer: 5.55
